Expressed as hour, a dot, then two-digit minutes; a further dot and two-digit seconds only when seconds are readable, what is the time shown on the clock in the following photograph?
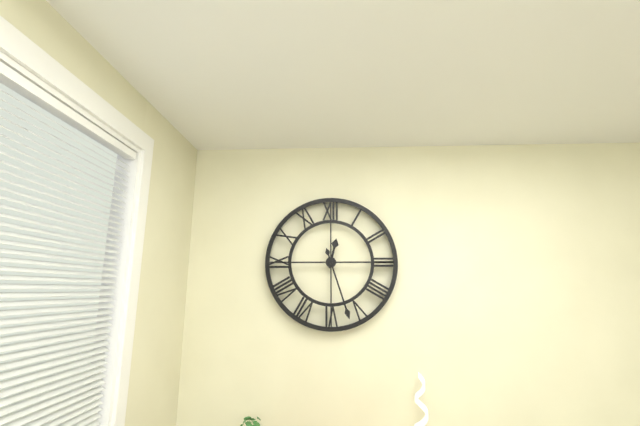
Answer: 12.27
